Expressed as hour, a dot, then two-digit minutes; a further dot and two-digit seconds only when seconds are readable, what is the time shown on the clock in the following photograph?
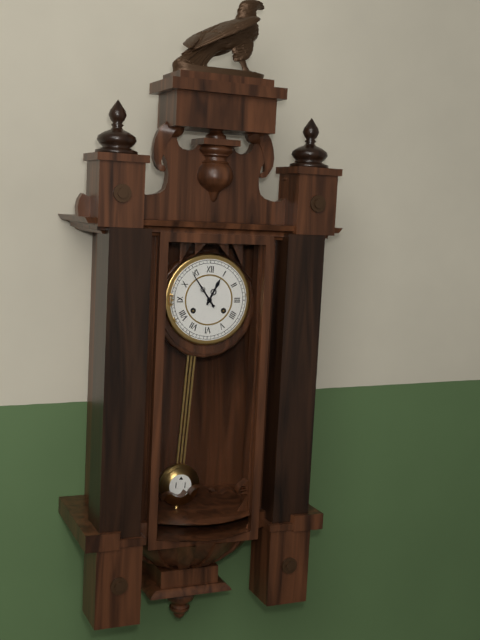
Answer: 12.54
